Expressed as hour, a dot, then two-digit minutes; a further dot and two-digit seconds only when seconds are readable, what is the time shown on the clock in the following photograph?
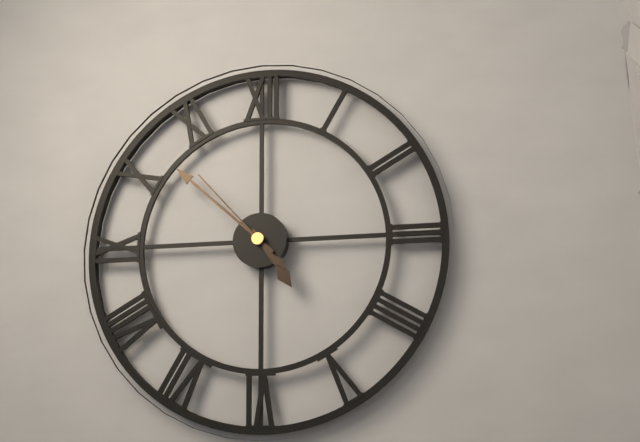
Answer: 4.52.53
